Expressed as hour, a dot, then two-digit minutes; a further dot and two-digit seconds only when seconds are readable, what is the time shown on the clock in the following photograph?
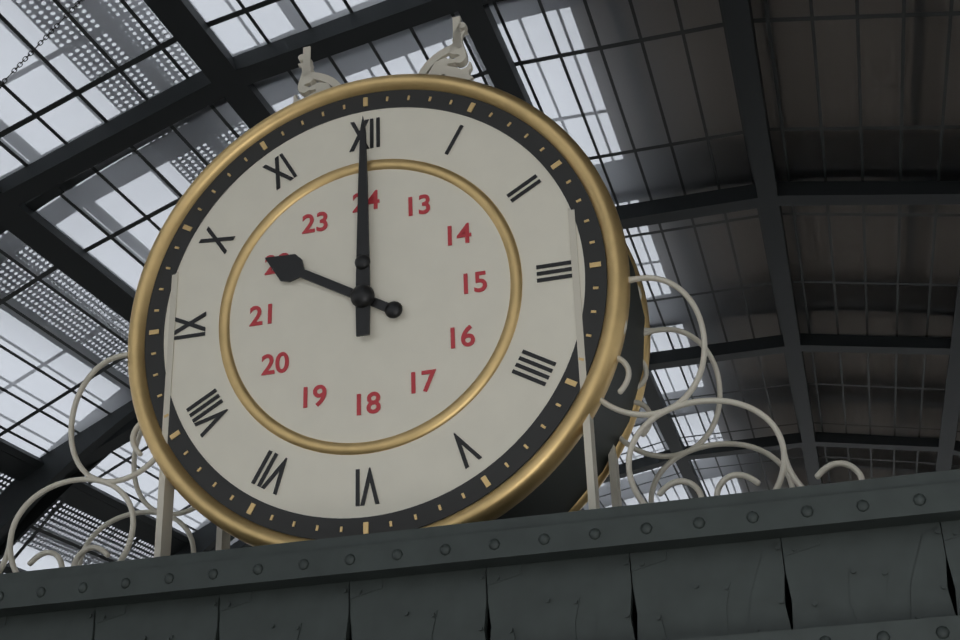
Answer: 10.00
